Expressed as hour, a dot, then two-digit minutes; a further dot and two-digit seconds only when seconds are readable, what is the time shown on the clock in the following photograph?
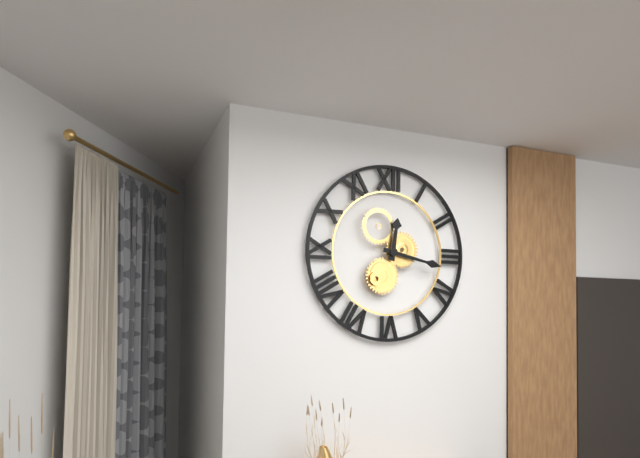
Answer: 12.17
